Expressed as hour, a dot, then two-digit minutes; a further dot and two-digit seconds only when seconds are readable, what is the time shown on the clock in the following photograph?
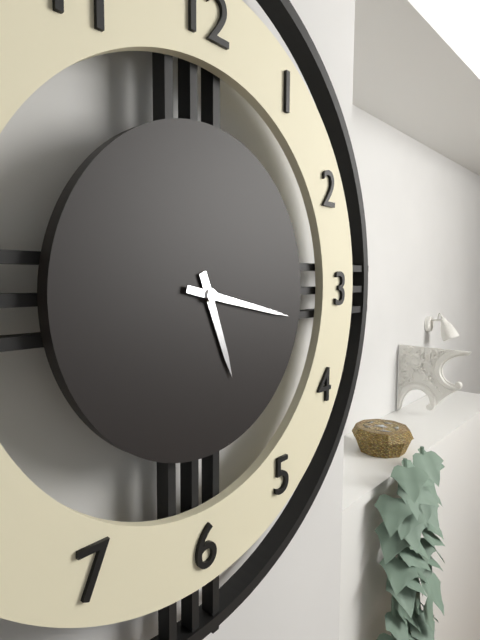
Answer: 5.17
